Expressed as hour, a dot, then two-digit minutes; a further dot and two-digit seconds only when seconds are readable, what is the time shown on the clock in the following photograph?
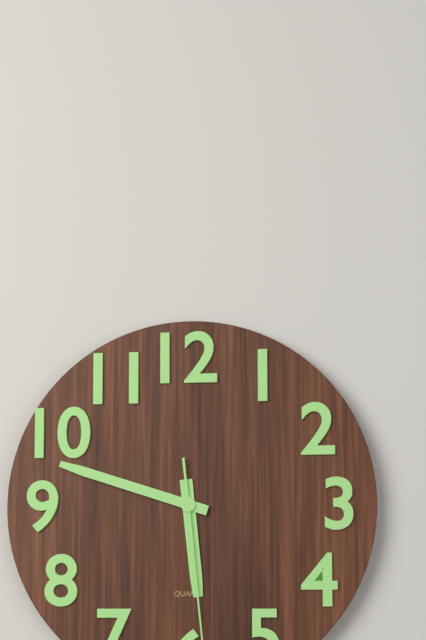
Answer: 5.48
